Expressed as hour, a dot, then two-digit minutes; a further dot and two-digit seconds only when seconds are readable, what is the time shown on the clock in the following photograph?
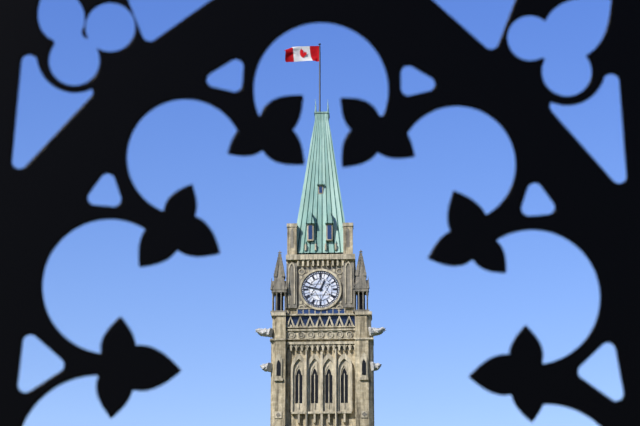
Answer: 12.47
